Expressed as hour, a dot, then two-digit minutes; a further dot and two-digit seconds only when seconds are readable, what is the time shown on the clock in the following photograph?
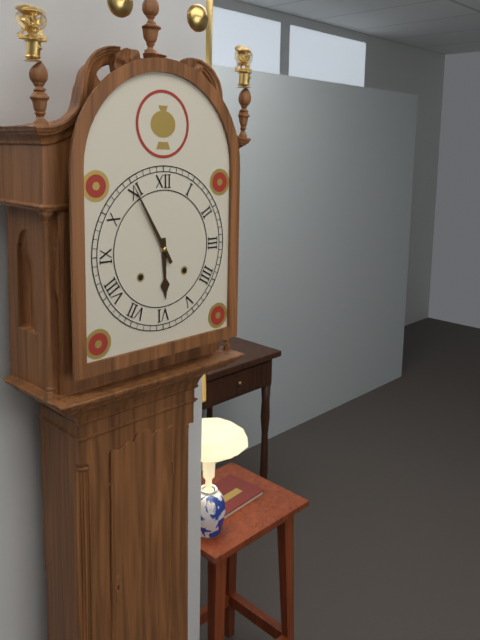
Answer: 5.55
